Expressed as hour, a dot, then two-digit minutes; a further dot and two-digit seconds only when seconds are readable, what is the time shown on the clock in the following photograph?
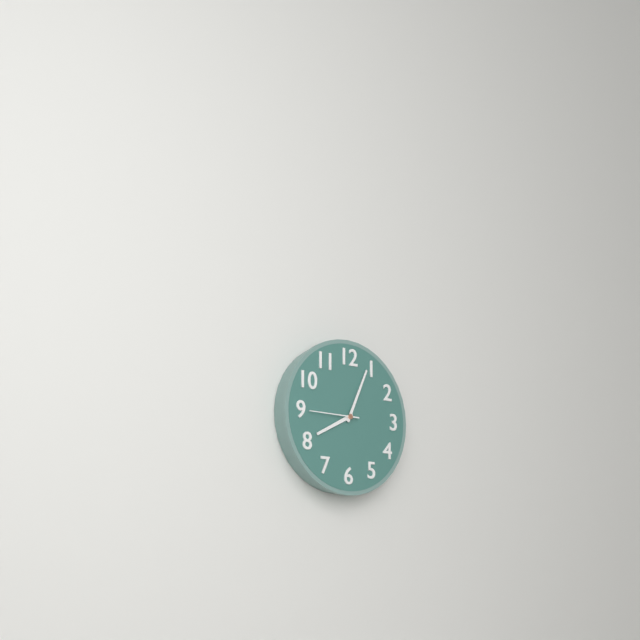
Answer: 8.04.45
